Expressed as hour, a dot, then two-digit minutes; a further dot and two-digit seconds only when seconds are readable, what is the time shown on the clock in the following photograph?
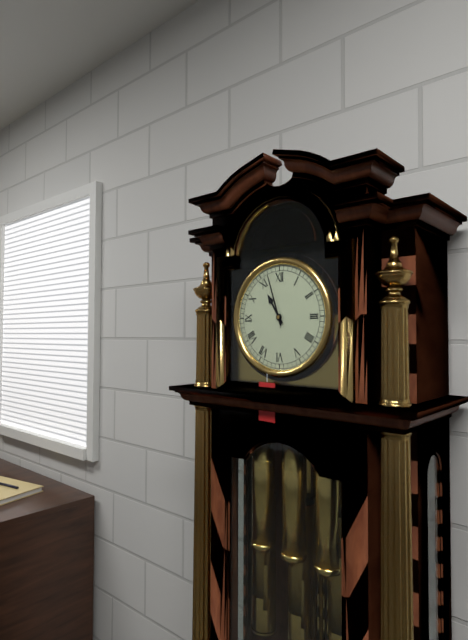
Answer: 10.57
